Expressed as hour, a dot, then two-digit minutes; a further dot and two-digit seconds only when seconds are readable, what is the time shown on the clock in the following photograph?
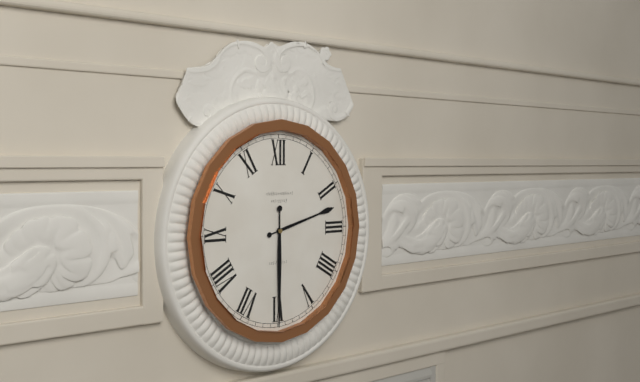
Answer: 2.30
